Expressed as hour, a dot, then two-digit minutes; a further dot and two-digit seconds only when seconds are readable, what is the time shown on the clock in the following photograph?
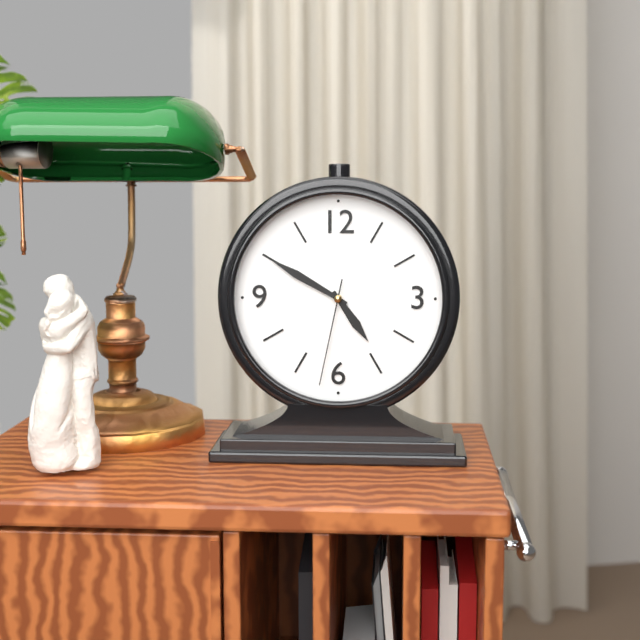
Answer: 4.50.32
